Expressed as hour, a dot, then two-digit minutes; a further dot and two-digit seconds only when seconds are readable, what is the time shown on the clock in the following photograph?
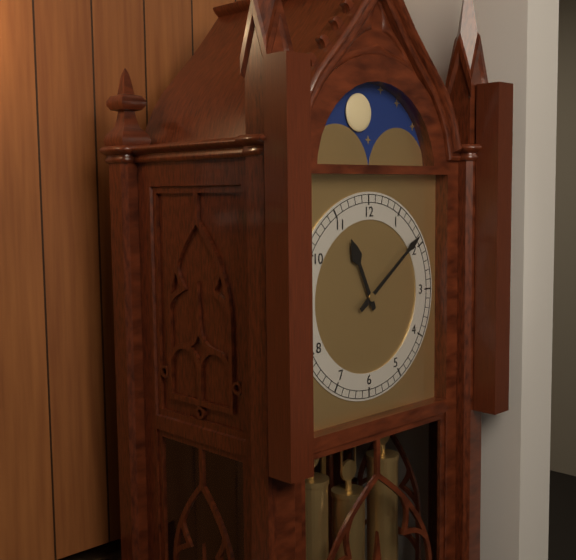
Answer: 11.09
